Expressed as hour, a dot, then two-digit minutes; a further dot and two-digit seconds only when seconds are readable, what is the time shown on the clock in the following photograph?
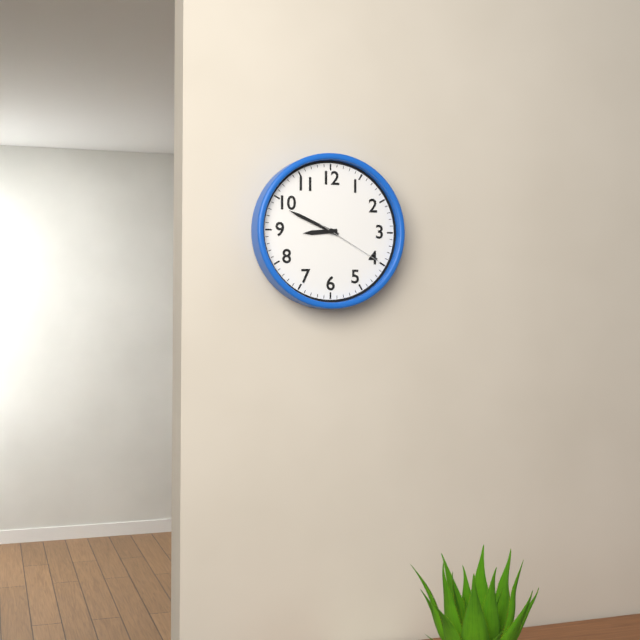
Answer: 8.49.20
